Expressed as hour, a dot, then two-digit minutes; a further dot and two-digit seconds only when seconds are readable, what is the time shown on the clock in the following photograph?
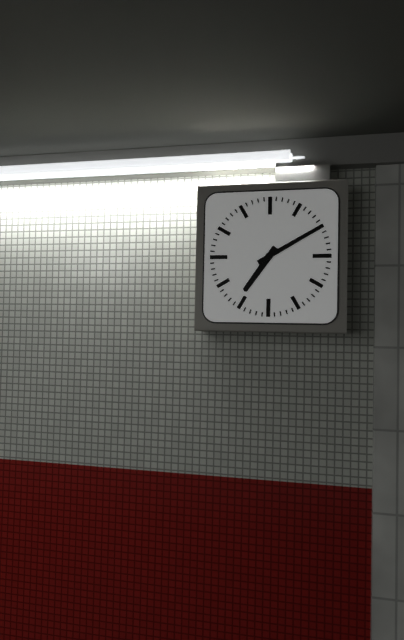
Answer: 7.10
